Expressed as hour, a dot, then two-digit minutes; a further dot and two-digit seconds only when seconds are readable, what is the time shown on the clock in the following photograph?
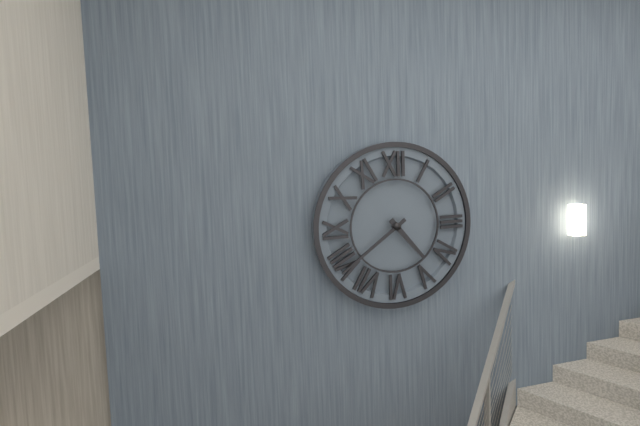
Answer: 4.39
